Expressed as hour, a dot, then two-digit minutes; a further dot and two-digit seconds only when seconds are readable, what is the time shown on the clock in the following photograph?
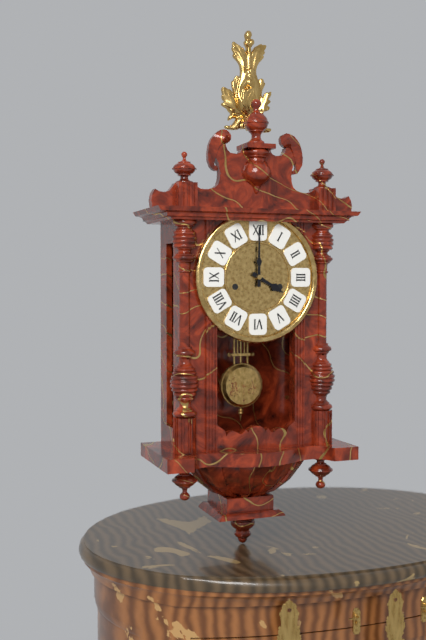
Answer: 4.00
